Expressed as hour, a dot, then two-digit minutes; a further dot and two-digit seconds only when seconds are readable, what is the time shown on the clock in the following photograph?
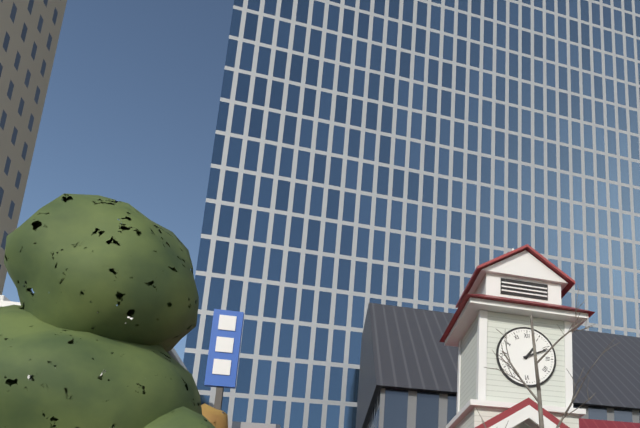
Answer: 1.11
